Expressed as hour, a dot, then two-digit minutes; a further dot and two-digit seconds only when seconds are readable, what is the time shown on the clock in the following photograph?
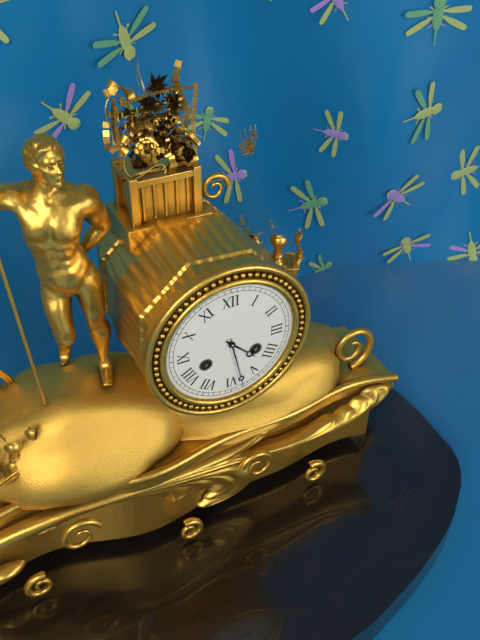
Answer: 4.28
